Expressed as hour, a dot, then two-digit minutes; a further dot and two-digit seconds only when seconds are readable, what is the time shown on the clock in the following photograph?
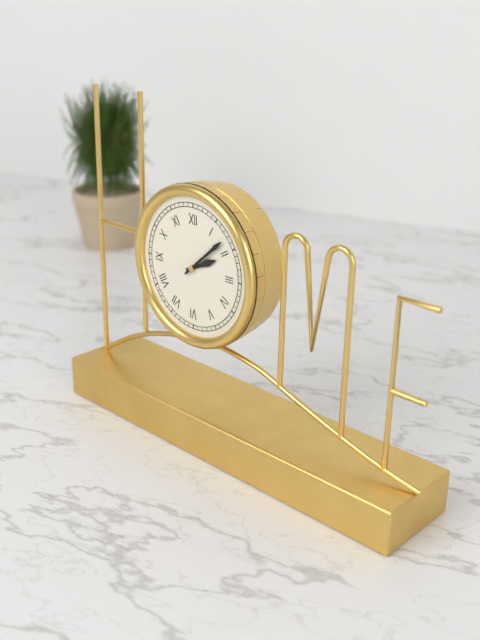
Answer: 2.08
